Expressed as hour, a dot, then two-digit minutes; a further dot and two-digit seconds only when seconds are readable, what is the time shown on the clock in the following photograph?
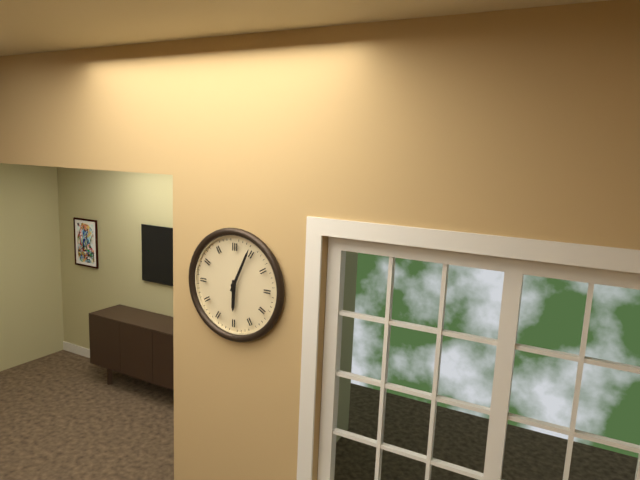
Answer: 6.04
